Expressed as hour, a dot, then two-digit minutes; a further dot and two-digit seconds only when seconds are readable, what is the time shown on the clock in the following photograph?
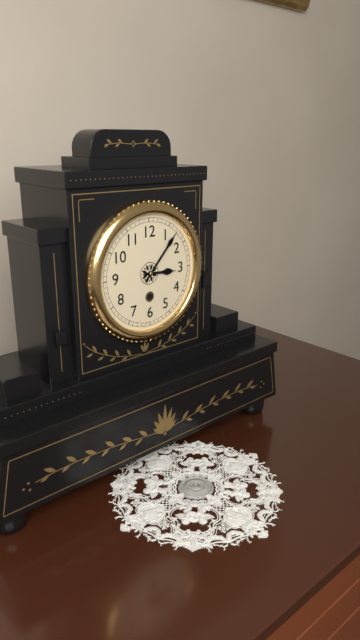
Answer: 3.07
